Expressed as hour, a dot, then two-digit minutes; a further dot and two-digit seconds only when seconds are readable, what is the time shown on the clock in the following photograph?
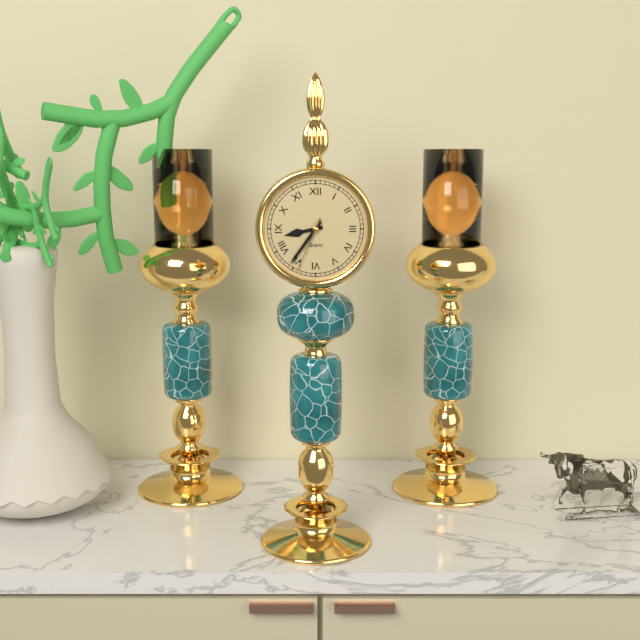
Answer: 8.36.34
